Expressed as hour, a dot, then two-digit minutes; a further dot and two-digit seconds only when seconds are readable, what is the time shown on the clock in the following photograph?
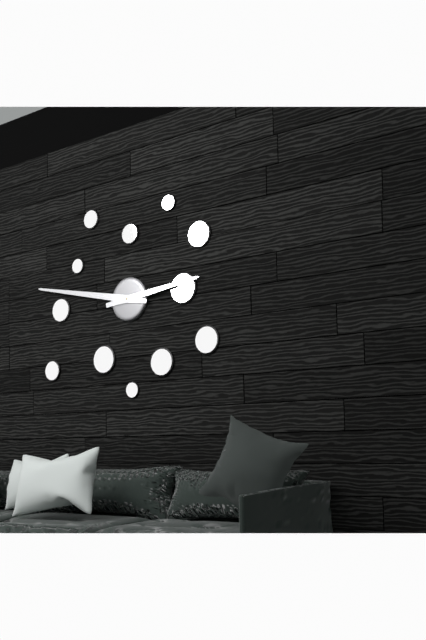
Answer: 2.47
